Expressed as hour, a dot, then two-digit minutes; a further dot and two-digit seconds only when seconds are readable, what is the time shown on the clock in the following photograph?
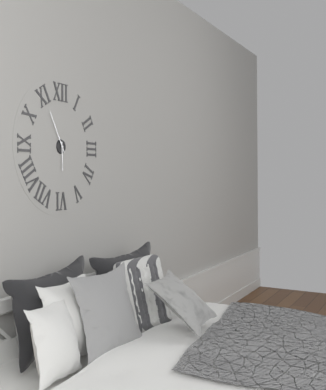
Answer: 5.55
